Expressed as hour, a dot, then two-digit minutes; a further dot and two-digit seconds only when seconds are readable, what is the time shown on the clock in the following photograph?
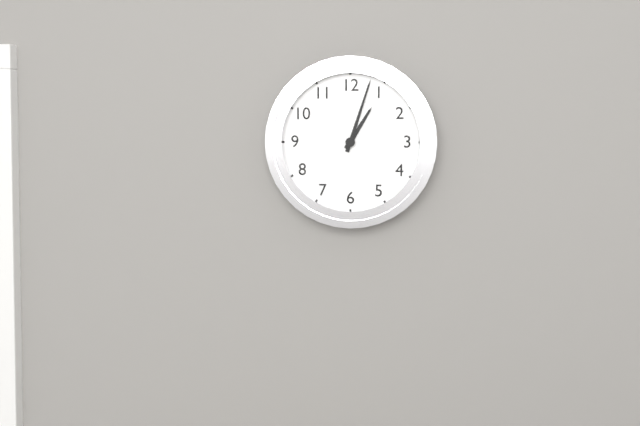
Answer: 1.03
